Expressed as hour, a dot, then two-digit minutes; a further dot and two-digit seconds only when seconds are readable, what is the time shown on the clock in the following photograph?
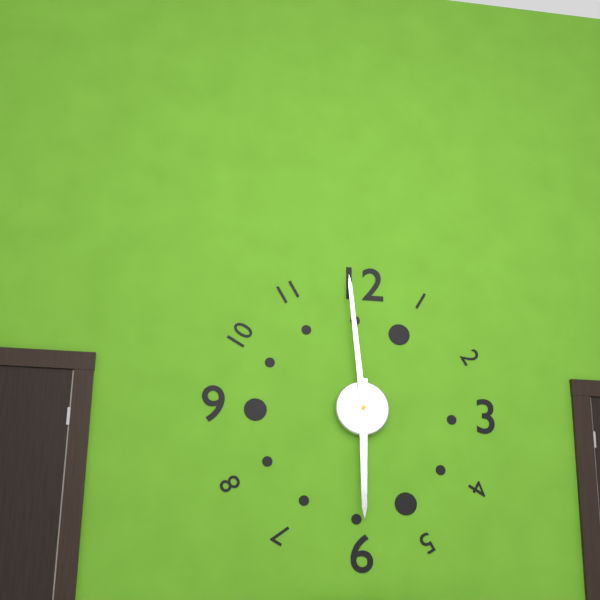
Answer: 5.59
